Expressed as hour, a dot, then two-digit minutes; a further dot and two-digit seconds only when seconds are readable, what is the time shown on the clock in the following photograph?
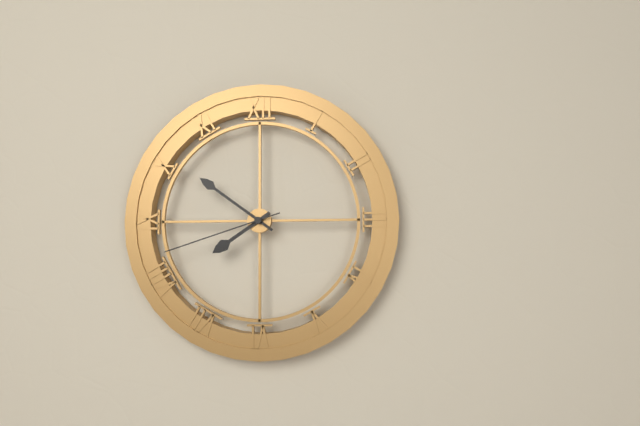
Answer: 7.51.42
